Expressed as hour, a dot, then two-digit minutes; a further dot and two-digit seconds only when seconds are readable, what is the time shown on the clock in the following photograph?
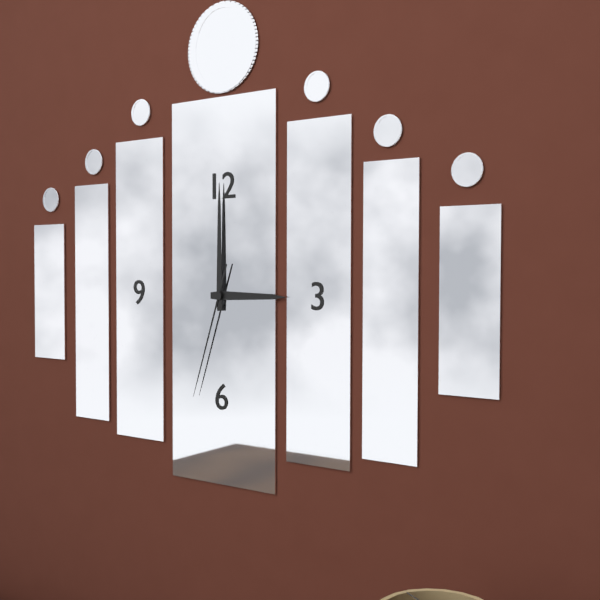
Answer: 3.00.33
